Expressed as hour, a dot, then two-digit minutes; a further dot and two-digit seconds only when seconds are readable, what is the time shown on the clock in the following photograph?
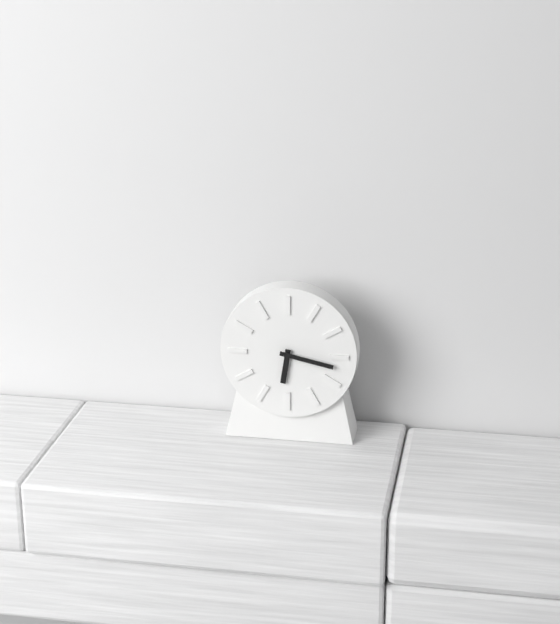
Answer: 6.17
